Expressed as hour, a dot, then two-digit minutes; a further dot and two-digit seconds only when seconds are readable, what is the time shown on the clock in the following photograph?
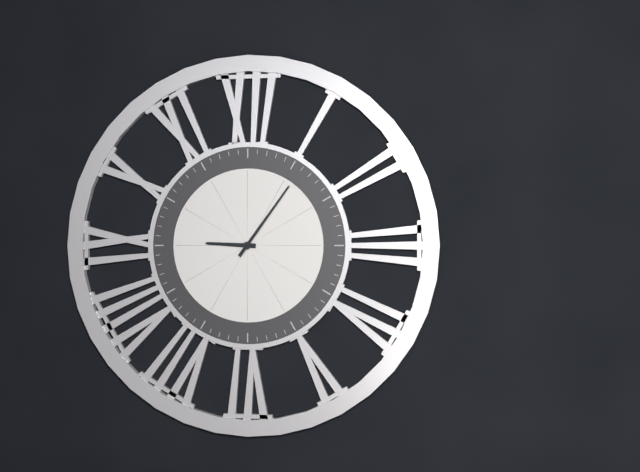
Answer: 9.06
